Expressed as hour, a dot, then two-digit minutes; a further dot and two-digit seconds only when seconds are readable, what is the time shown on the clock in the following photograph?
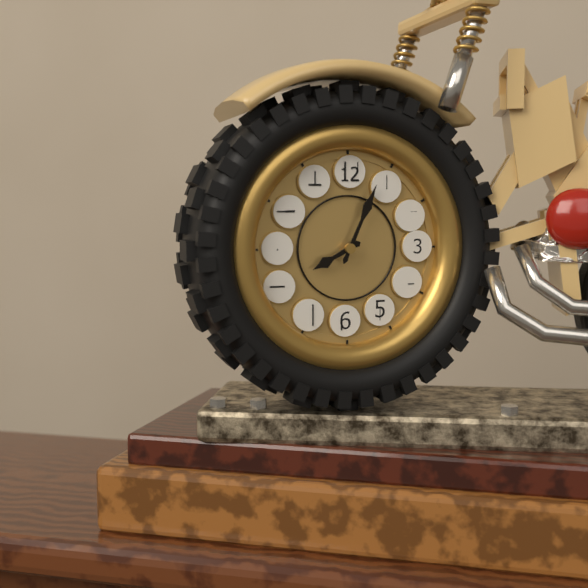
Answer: 8.04
